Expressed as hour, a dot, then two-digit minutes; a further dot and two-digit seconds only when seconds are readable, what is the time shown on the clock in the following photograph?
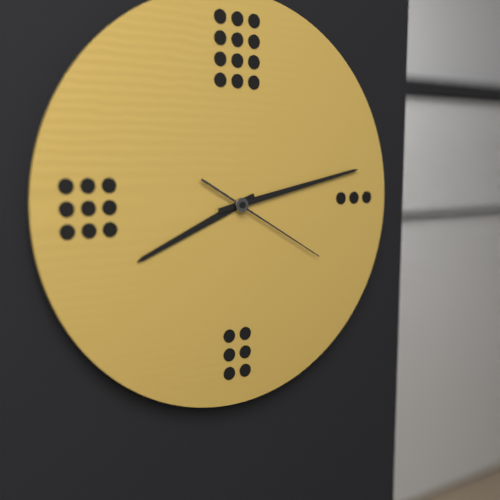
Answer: 8.13.20
